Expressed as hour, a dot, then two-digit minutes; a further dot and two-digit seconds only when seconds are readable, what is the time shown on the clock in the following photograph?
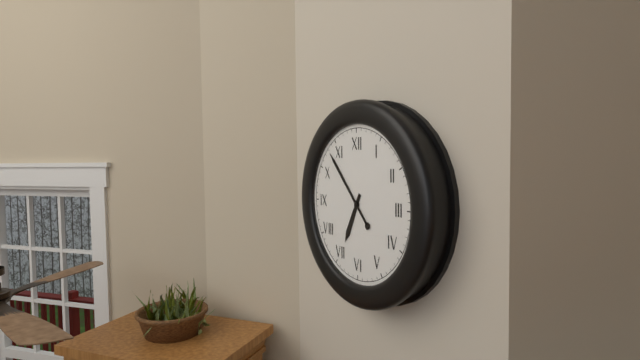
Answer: 6.53
